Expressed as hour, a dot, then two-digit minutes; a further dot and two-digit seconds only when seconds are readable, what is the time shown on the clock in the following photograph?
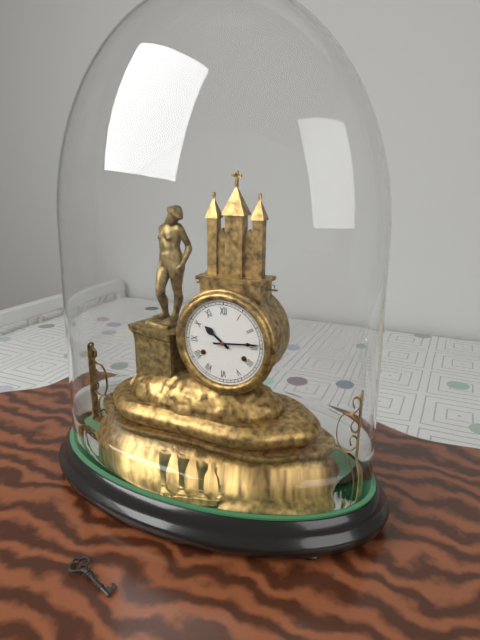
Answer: 10.14
